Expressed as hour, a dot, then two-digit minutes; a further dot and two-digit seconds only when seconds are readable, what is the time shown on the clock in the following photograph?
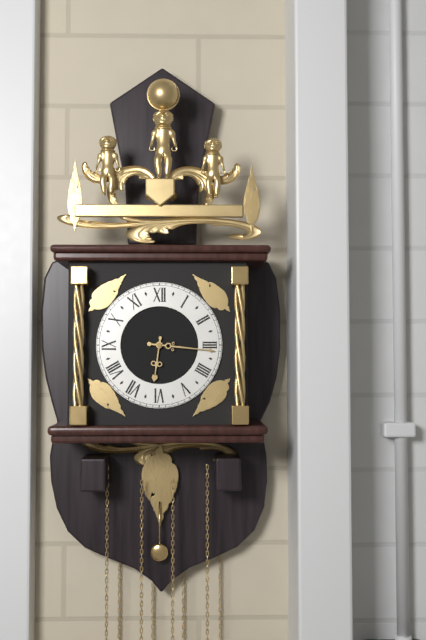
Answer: 6.16
